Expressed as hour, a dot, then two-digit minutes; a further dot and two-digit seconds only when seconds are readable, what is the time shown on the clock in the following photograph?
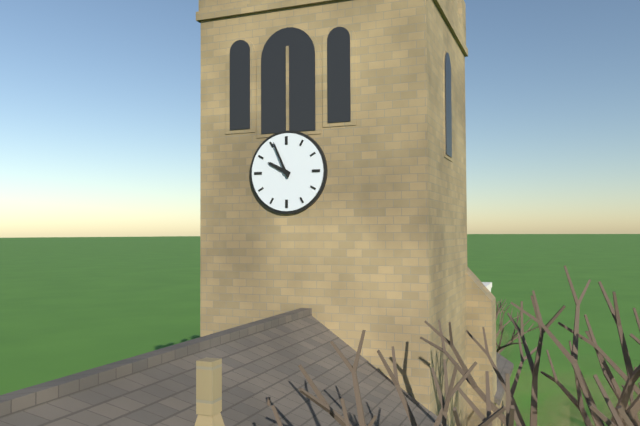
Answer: 9.56
